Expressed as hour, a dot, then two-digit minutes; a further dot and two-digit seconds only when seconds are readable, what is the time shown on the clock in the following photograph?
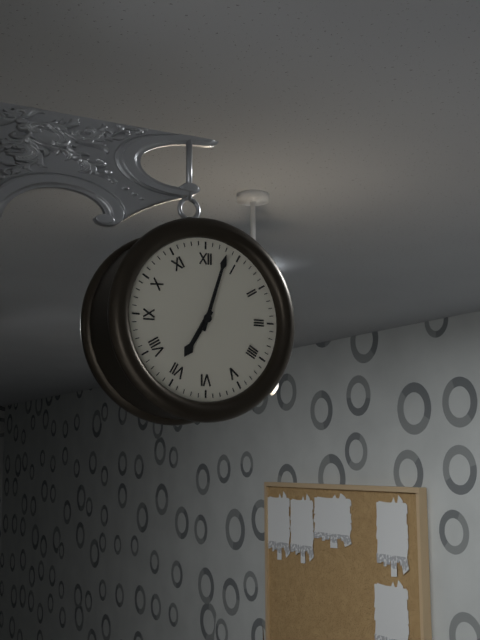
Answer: 7.03
